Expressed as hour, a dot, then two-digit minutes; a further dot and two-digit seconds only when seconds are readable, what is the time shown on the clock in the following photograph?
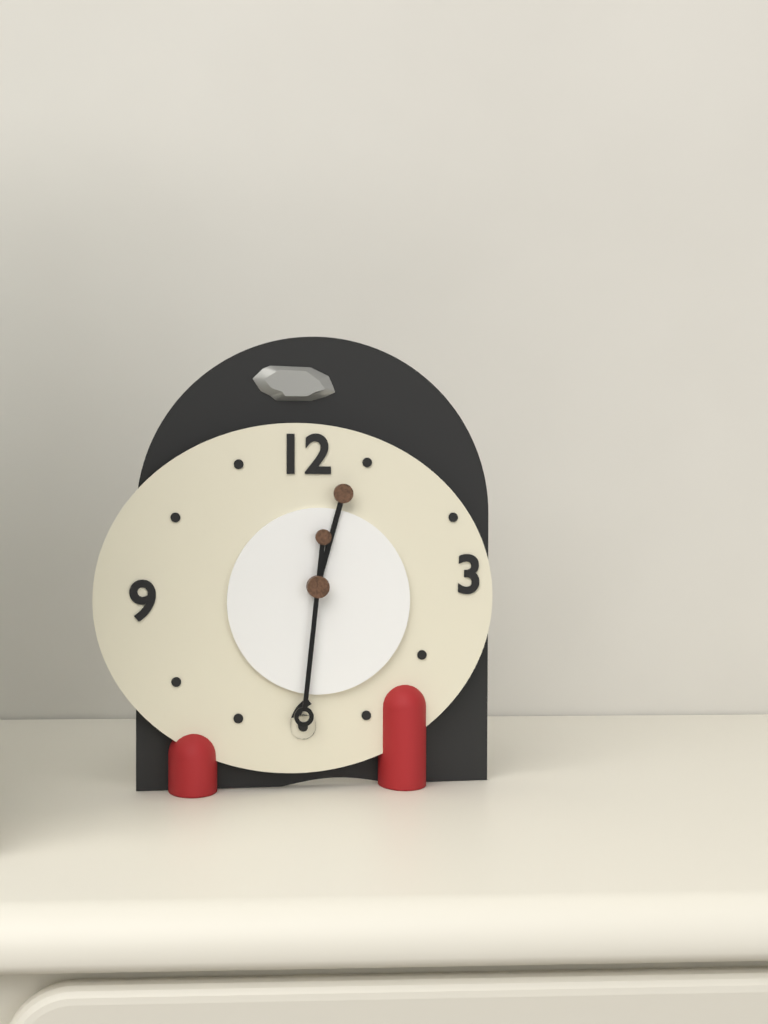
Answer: 12.31
